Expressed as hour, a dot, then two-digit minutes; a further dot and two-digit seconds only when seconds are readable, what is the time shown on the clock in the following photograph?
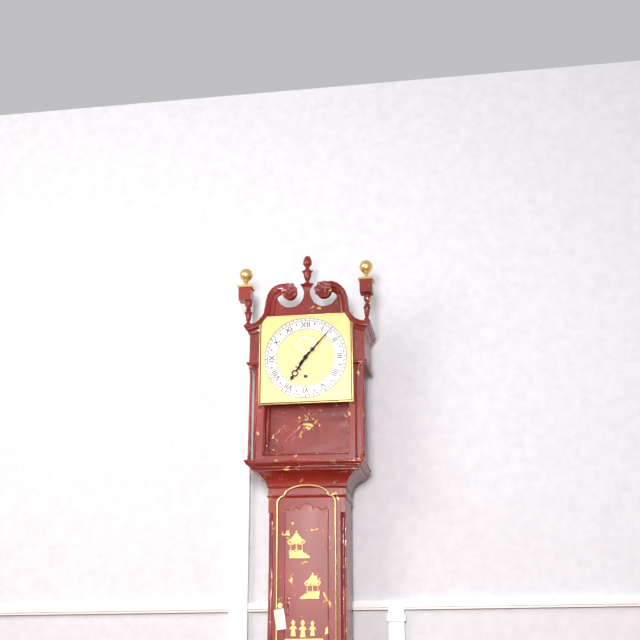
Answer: 7.07
